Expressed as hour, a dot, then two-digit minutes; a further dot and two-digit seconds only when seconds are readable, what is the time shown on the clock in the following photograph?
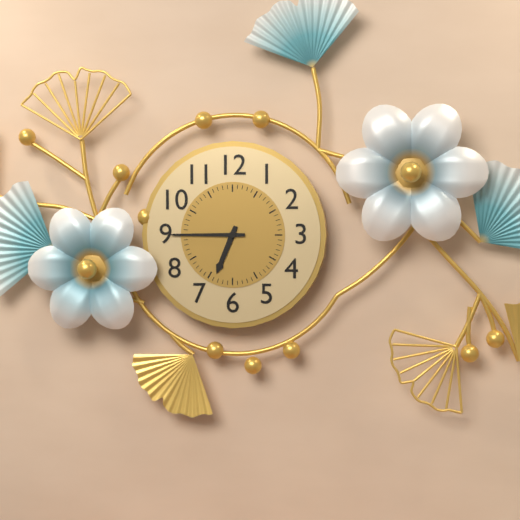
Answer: 6.45
